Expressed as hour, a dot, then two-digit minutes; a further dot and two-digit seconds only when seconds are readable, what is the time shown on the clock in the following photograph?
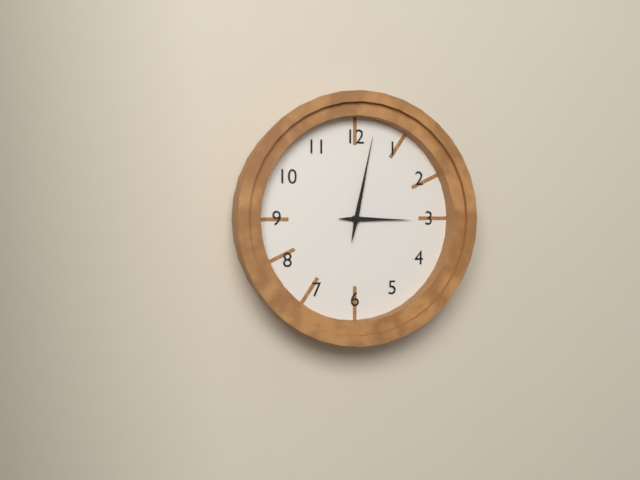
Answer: 3.02
